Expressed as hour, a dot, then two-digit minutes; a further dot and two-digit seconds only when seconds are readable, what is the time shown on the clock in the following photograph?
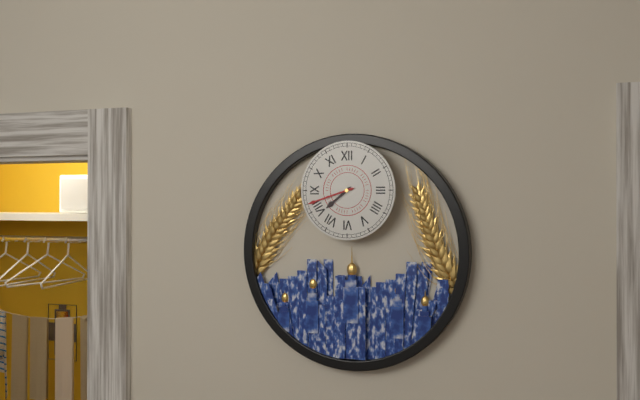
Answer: 7.42
